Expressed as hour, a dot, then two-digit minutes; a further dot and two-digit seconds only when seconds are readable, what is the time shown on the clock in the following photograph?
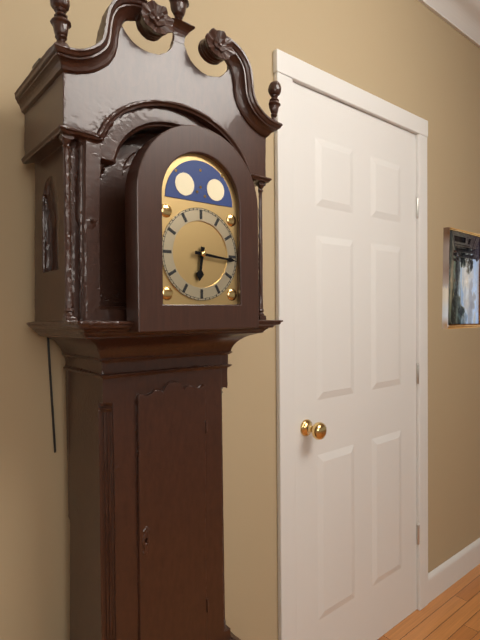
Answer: 6.16
